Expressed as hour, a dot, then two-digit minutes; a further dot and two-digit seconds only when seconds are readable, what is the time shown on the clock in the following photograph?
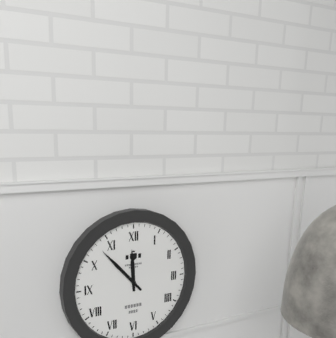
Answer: 11.53
